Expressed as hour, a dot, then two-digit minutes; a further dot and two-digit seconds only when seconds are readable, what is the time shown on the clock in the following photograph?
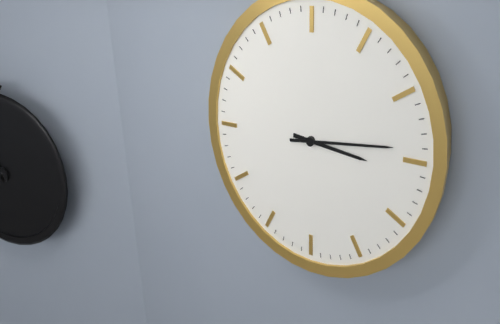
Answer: 3.14
